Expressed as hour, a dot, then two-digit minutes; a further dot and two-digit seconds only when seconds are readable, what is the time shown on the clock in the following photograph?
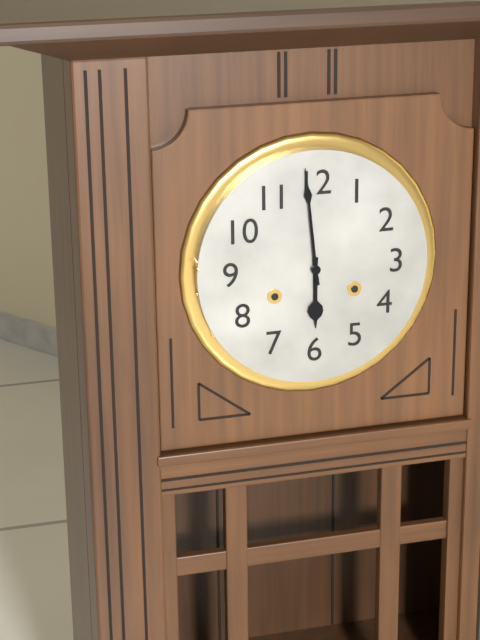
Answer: 5.59
